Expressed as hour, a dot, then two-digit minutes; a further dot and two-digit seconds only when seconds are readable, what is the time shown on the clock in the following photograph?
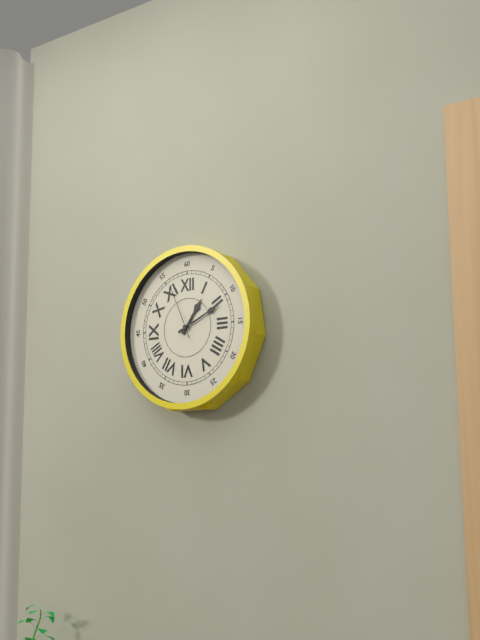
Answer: 1.11.56
